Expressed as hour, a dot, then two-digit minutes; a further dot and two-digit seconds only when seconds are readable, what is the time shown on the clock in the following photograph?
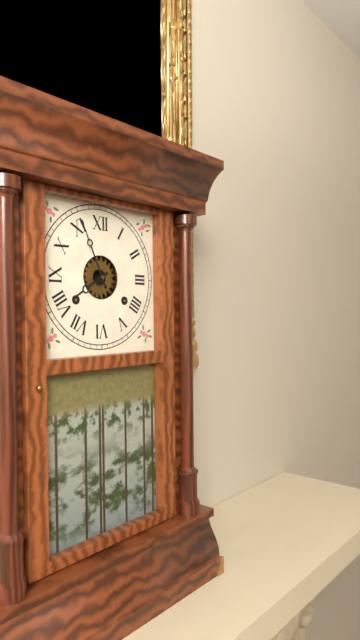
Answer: 7.56
